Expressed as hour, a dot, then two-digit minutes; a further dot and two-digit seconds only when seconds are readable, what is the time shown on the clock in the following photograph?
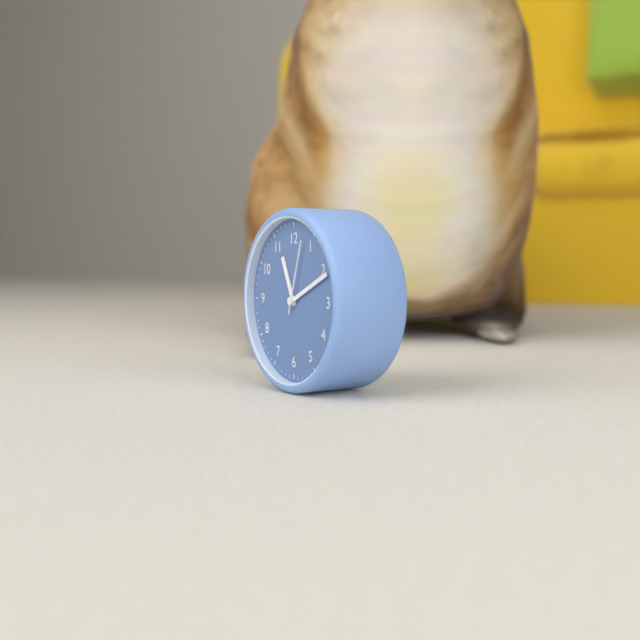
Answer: 11.11.03
